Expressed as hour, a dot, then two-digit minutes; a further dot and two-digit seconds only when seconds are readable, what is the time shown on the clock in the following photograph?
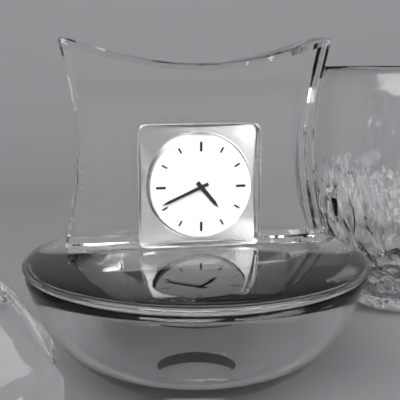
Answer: 4.41
